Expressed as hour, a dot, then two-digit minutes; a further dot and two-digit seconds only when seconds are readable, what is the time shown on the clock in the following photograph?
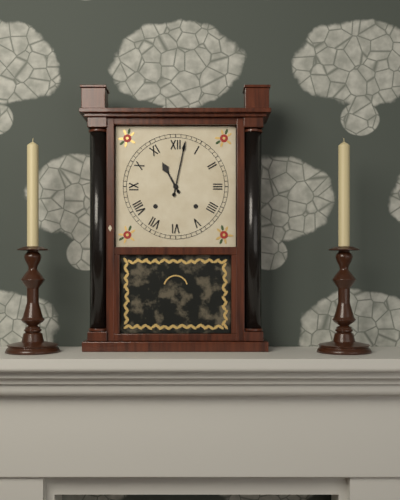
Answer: 11.02
